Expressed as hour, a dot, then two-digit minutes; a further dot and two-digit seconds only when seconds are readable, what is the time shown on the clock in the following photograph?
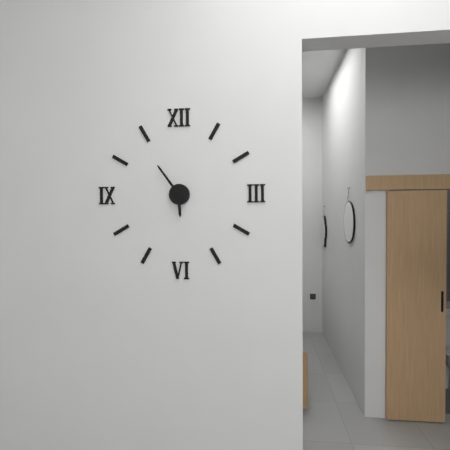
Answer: 5.54
